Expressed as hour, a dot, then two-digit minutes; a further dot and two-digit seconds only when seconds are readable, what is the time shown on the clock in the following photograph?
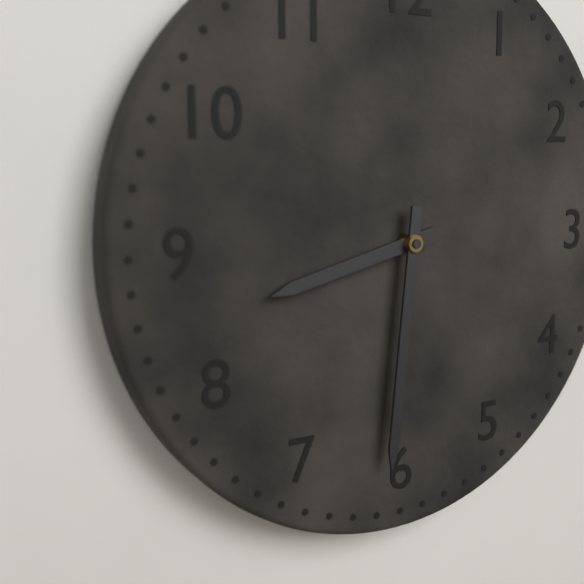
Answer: 8.31
